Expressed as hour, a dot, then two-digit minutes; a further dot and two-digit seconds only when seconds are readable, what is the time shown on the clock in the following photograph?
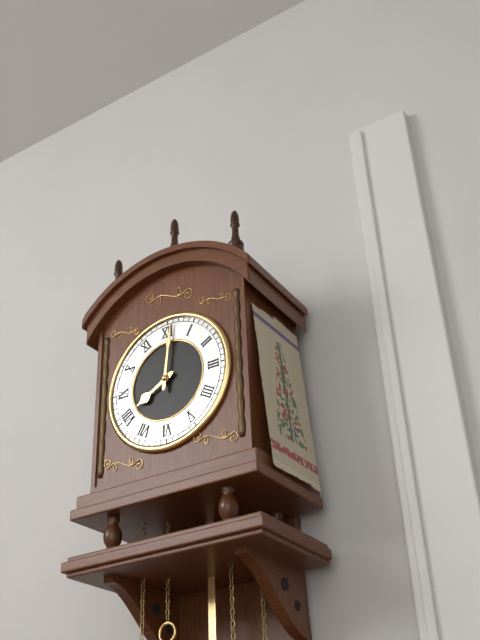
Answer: 8.01
